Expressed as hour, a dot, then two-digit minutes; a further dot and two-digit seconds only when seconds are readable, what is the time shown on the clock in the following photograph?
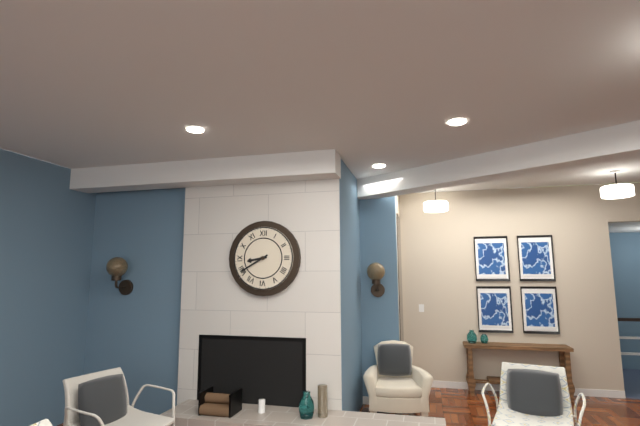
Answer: 8.40
